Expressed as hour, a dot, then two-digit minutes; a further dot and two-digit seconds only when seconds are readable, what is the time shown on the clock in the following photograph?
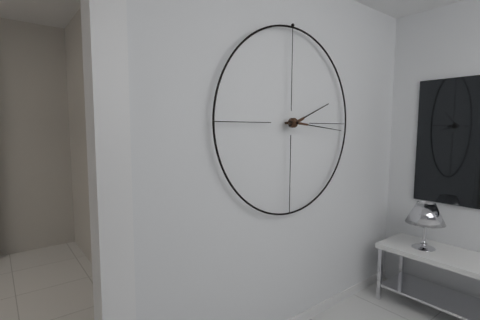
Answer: 2.16
